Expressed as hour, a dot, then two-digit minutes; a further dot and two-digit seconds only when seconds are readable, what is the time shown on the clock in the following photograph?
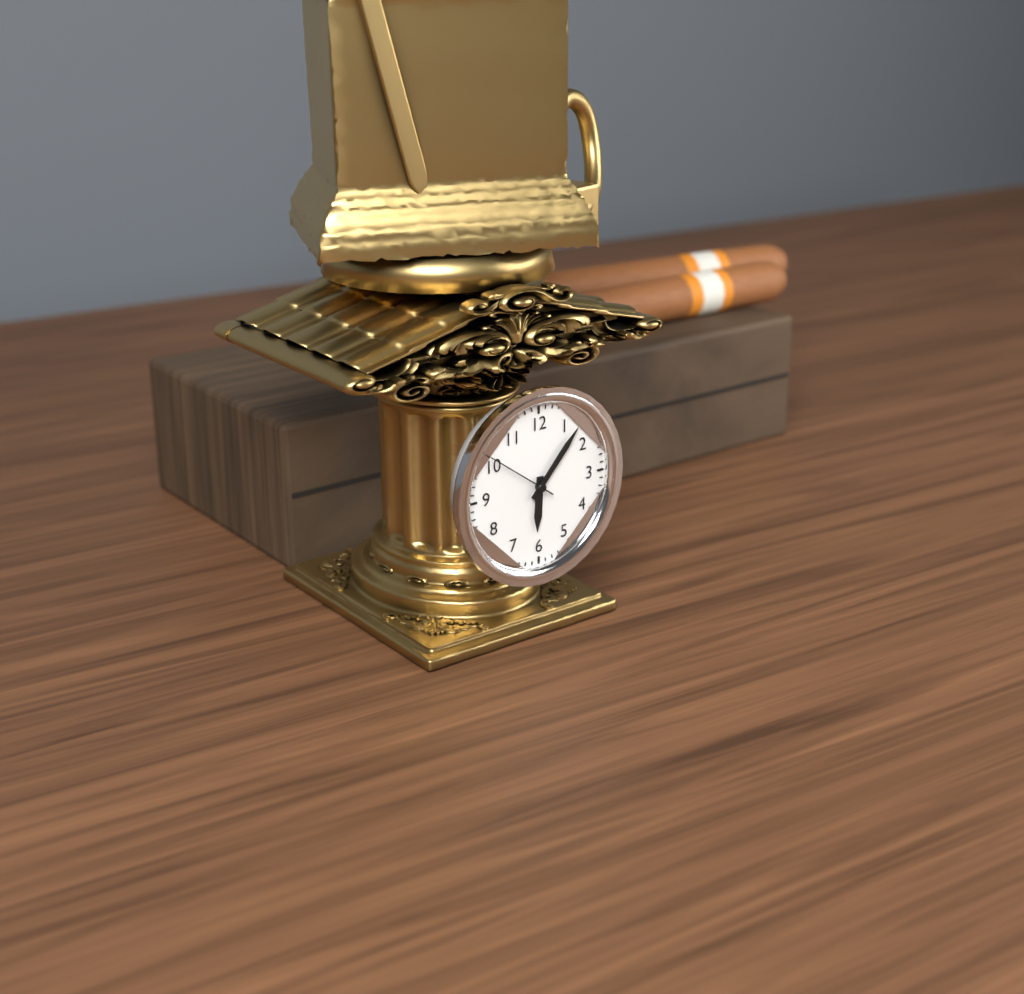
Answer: 6.07.51
